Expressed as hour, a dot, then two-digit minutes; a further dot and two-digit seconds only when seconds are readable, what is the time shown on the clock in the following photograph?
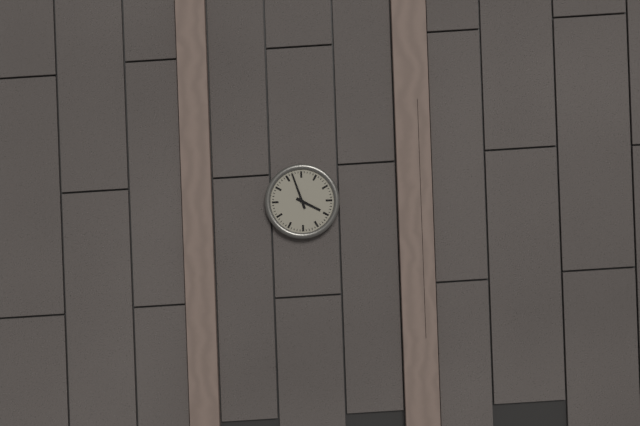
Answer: 3.57
